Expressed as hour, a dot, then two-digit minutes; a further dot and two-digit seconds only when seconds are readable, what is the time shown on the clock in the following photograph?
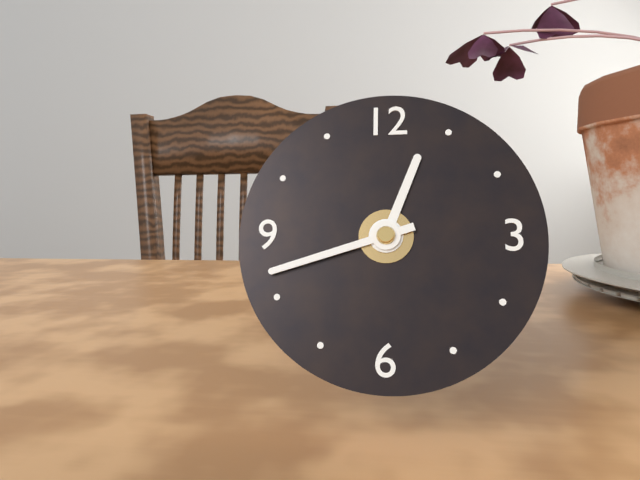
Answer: 12.42
